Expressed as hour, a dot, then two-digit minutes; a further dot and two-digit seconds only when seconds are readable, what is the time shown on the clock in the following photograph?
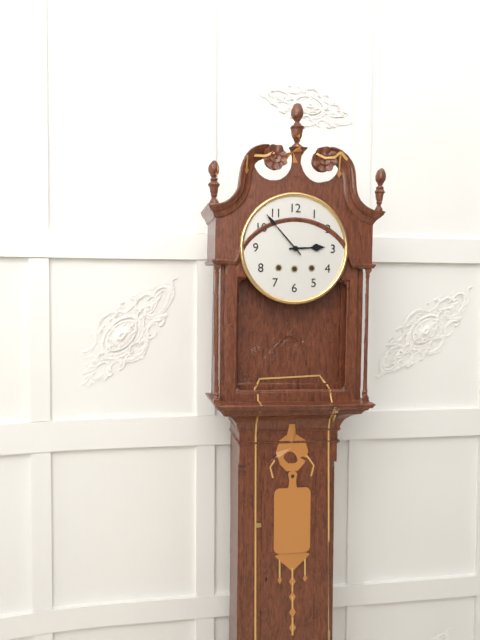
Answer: 2.53
